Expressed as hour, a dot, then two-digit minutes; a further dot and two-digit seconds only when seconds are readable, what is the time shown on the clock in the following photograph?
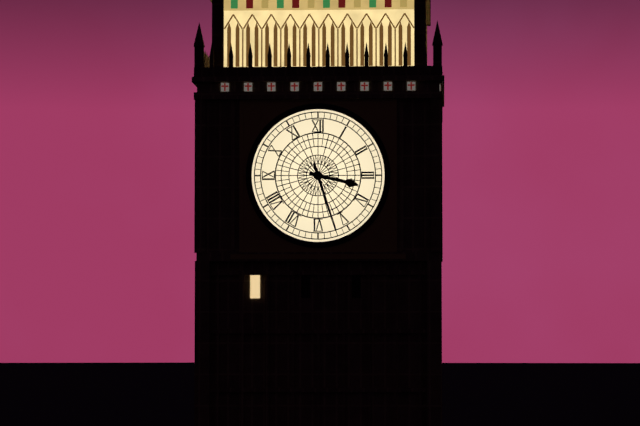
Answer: 3.27
